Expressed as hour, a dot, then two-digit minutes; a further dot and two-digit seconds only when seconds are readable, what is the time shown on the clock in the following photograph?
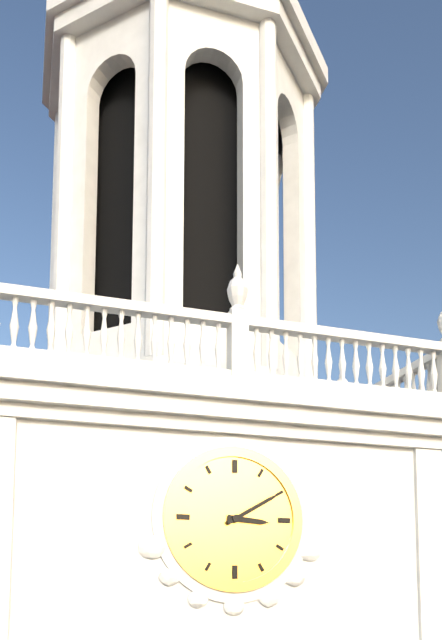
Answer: 3.10
